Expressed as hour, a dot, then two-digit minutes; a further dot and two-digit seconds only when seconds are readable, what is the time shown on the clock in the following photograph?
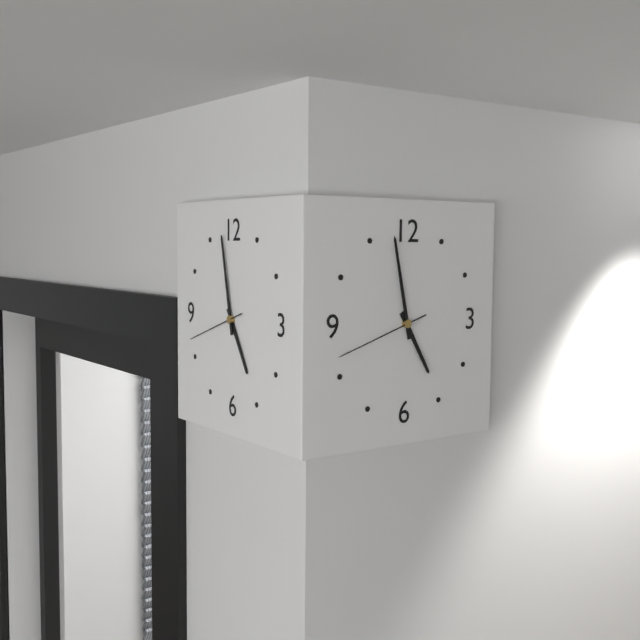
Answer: 4.58.42
